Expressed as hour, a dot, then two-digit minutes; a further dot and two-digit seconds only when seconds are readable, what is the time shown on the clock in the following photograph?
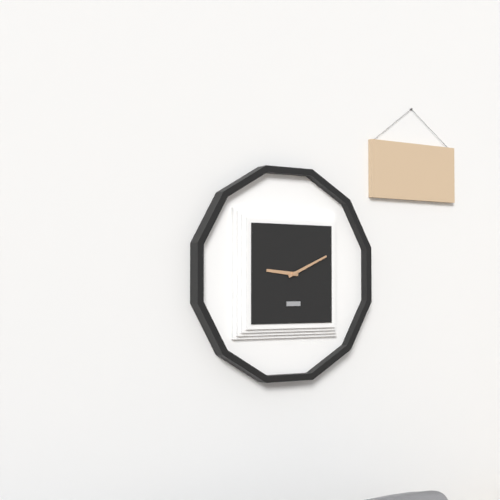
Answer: 9.11
